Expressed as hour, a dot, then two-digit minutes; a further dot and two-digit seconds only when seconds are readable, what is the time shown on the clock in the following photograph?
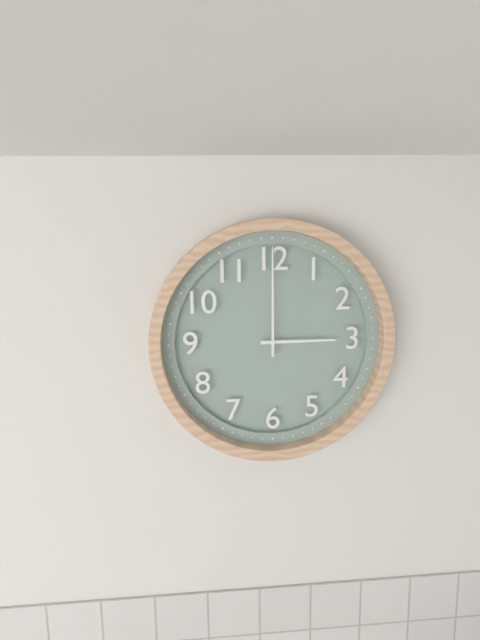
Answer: 3.00
